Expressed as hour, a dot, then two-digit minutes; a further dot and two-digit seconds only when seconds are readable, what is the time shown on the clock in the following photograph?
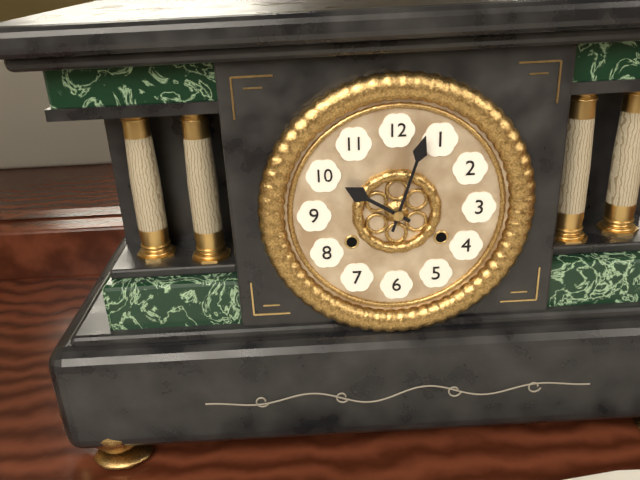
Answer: 10.03
